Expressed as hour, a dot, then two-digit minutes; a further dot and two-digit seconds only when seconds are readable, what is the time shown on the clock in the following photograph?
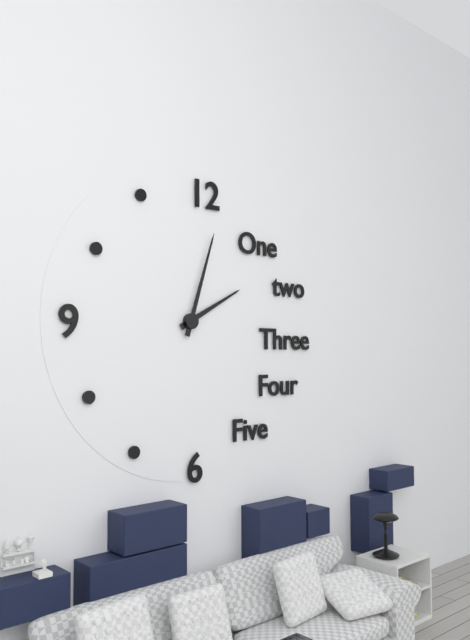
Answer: 2.03
